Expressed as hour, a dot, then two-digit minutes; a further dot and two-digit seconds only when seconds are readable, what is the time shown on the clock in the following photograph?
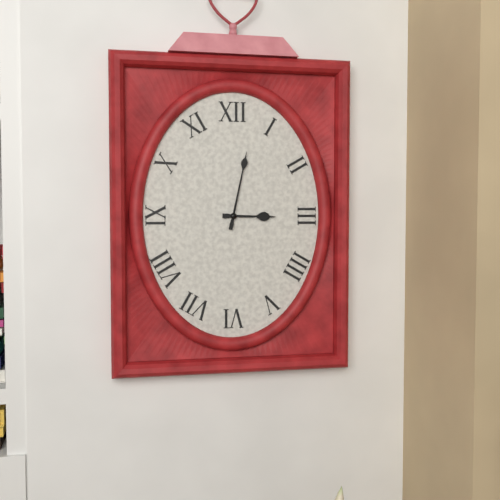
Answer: 3.02
